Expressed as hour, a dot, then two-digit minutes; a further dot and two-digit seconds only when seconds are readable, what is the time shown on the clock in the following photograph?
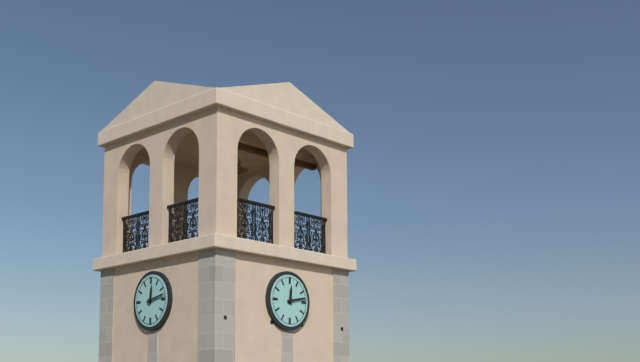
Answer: 12.13
